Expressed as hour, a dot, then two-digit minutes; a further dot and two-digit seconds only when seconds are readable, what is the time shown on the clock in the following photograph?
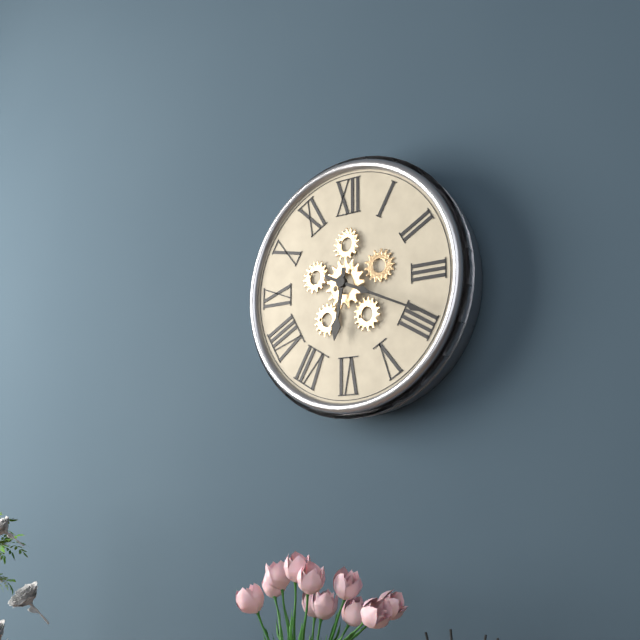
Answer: 6.19
